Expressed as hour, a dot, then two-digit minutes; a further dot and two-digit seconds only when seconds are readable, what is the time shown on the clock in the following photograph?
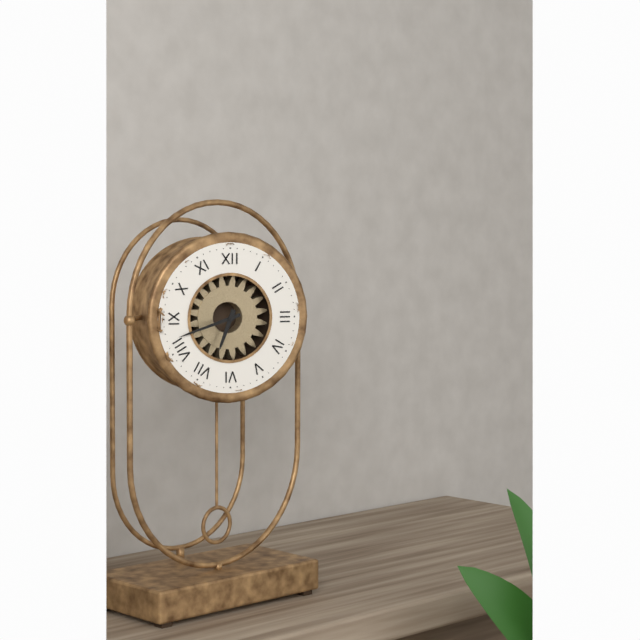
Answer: 6.42
